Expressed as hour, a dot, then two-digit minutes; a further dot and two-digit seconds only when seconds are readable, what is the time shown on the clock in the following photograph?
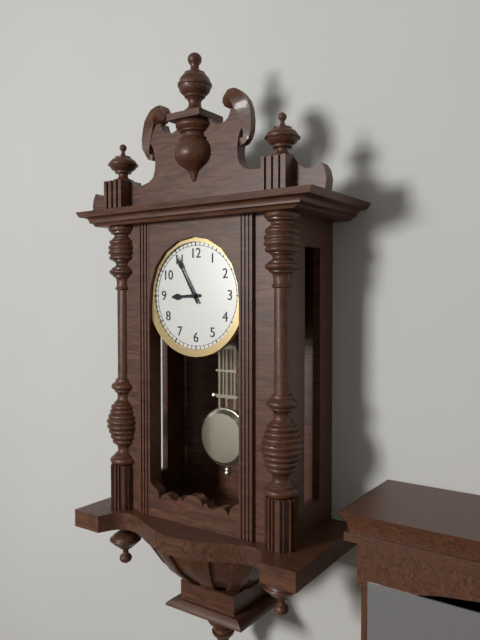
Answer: 8.55
